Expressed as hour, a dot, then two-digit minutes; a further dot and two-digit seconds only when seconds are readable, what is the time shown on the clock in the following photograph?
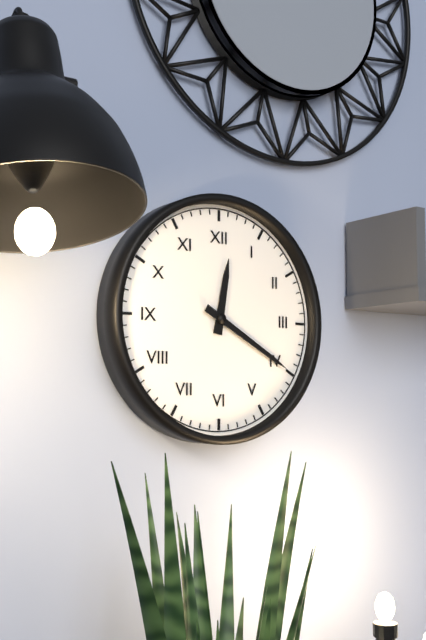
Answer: 12.20
